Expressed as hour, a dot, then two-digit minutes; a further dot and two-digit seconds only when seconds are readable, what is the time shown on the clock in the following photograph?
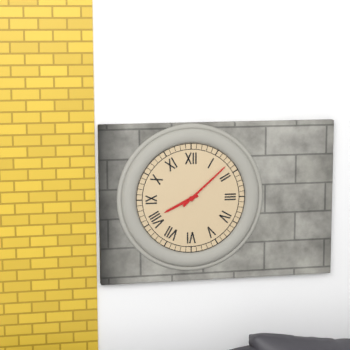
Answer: 8.08
